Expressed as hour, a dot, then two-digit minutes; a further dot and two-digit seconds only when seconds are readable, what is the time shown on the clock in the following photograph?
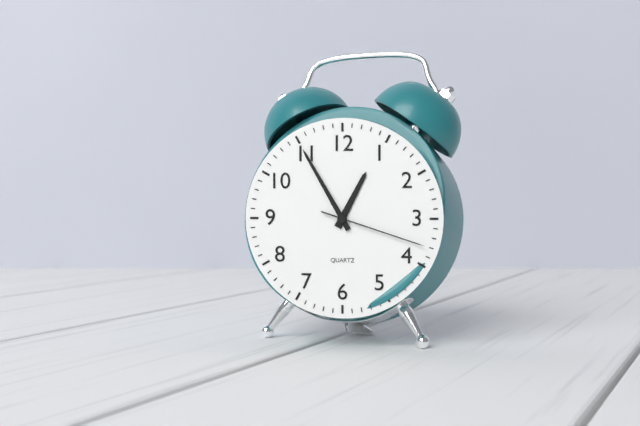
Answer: 12.55.18
